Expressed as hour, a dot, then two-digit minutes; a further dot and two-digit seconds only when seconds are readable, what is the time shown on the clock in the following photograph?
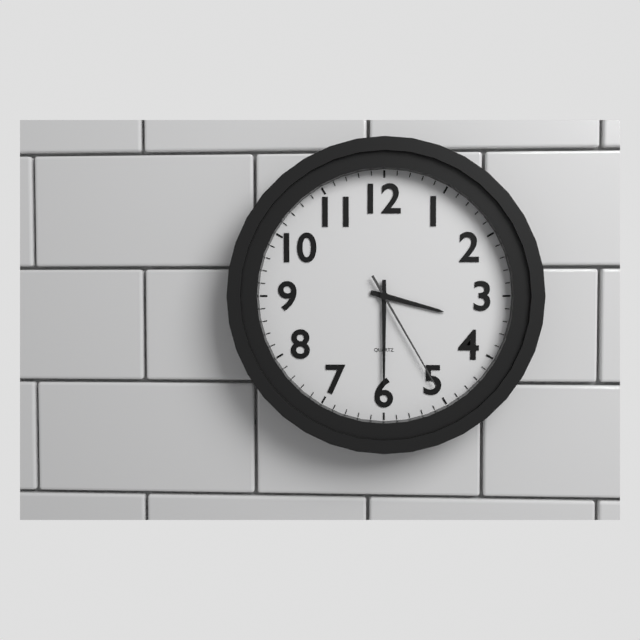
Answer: 3.30.25
